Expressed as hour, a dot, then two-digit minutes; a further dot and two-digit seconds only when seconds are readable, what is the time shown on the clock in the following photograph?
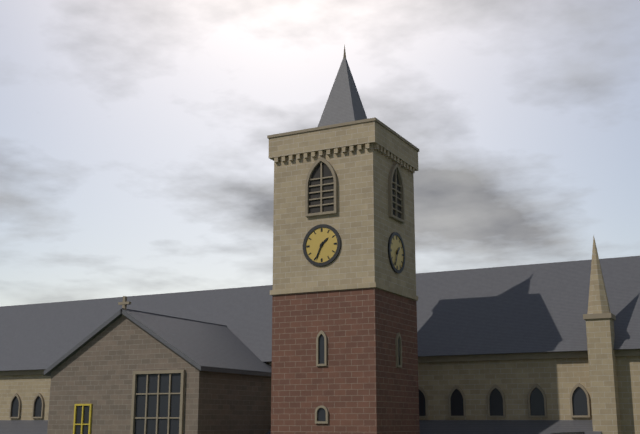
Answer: 1.34
